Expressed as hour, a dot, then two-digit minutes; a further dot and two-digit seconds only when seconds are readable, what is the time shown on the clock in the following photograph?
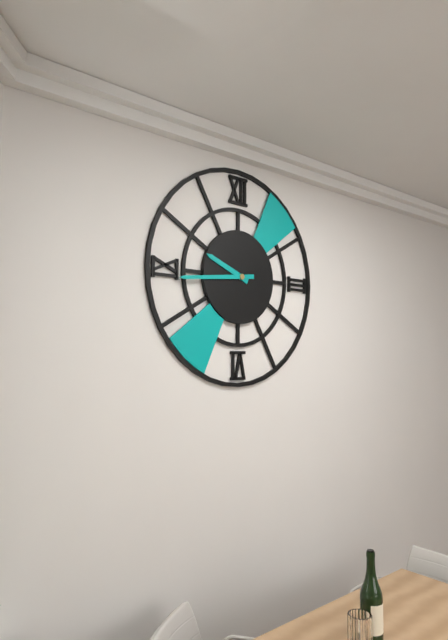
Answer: 9.44
